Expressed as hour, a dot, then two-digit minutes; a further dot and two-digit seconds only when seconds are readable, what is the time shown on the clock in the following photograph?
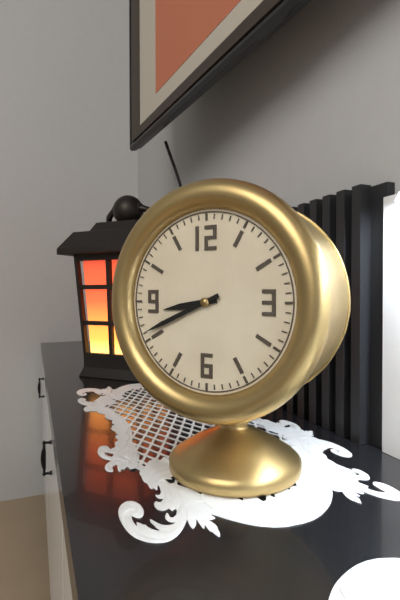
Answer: 8.41
